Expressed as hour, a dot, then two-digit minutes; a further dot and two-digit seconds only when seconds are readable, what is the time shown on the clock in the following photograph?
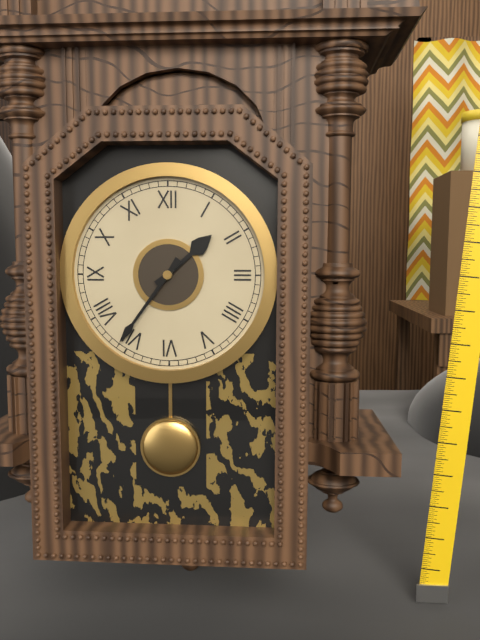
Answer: 1.36
